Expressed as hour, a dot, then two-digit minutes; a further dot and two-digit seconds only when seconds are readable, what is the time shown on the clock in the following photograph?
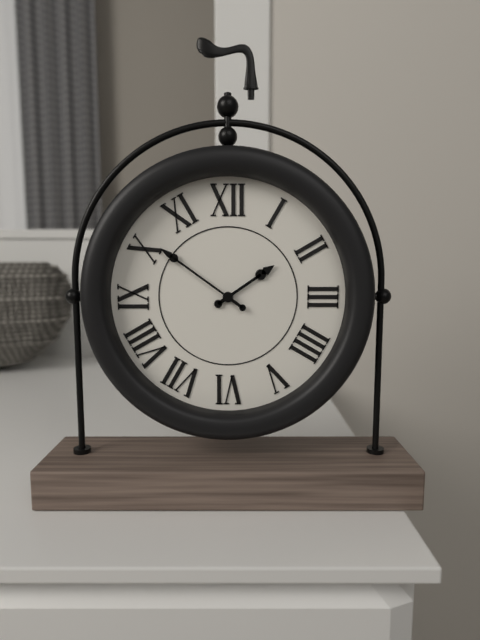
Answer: 1.51
